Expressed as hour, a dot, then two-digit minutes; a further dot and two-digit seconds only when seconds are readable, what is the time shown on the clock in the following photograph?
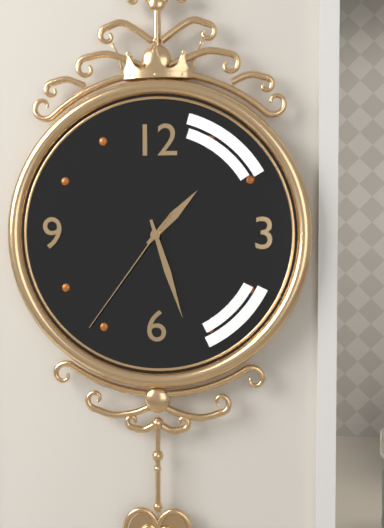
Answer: 1.27.36
